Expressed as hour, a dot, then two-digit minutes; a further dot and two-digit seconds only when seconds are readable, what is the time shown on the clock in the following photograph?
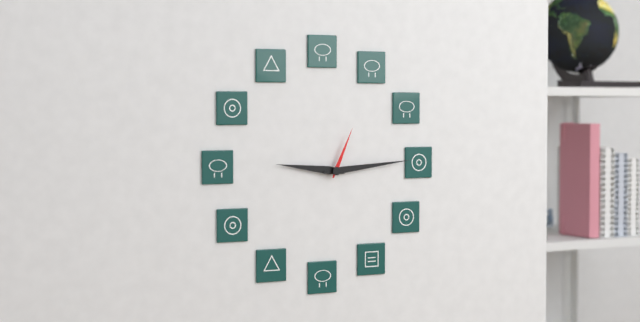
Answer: 9.14.04
